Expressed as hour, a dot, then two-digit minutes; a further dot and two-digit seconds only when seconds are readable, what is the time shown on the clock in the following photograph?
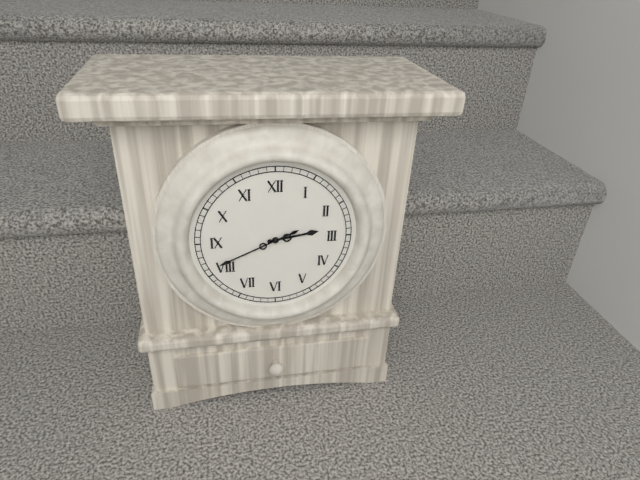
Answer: 2.41
